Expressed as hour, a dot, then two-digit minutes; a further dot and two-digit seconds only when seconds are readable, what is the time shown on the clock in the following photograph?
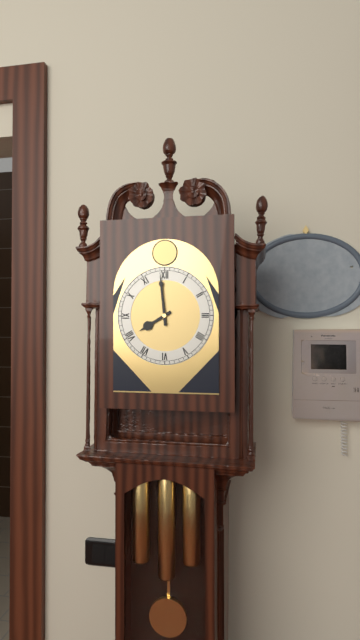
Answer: 7.59
